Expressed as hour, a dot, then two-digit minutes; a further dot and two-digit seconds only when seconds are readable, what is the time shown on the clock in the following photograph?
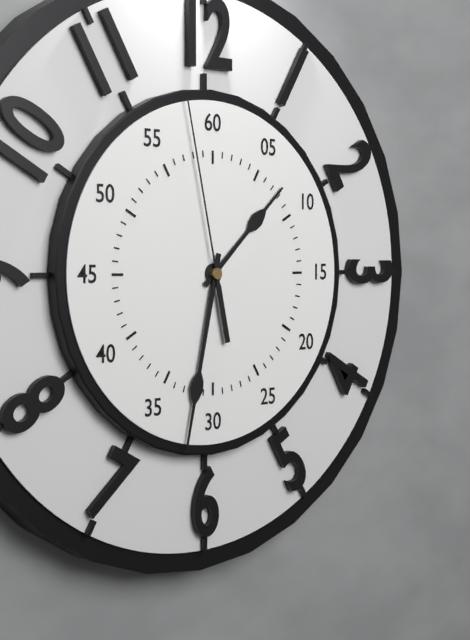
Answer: 1.32.58
